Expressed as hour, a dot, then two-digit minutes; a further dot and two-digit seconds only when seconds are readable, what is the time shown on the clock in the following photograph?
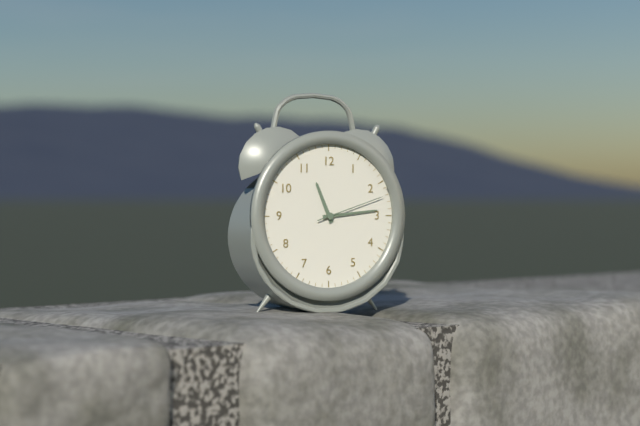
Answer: 11.14.12
